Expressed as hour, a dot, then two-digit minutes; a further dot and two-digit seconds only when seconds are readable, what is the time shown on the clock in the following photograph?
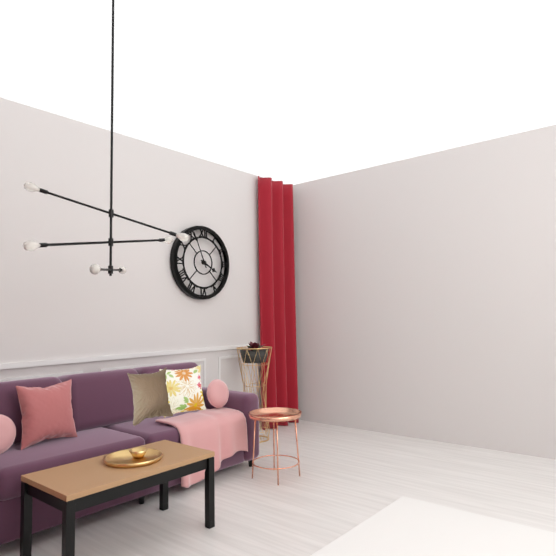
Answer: 3.56
